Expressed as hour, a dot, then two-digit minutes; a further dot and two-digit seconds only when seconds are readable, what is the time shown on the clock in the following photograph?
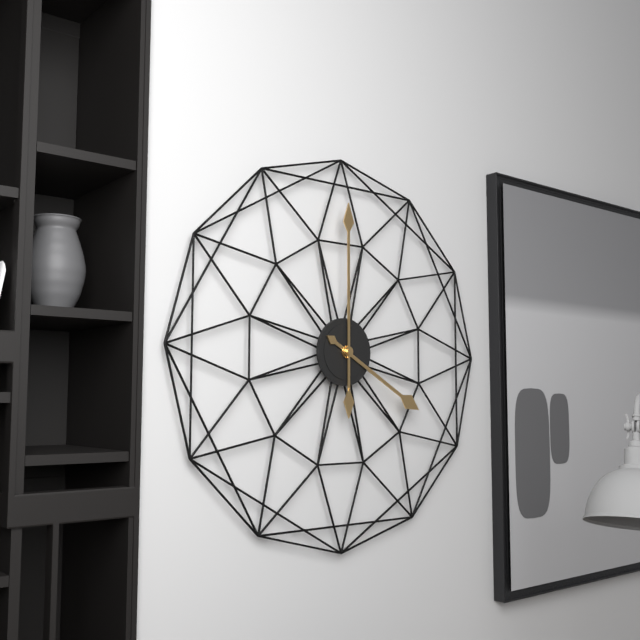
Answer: 4.00
